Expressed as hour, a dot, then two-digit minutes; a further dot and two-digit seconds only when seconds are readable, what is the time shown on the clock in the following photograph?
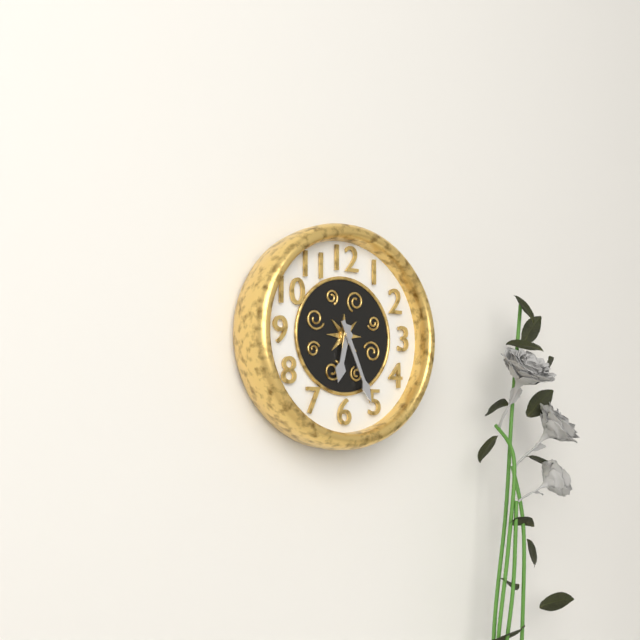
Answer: 6.26
